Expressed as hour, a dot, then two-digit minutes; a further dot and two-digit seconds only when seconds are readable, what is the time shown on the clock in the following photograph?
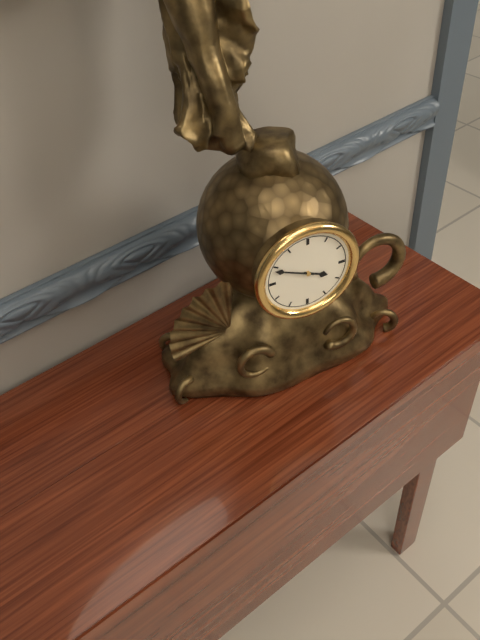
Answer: 3.49
